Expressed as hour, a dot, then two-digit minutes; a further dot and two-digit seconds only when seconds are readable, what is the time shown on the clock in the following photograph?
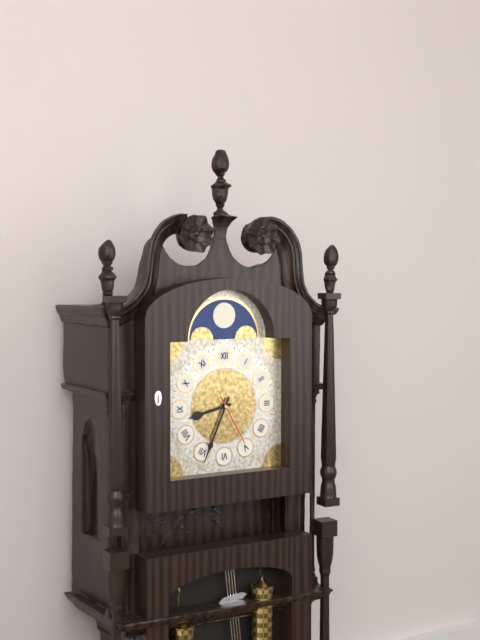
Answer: 8.34.25
